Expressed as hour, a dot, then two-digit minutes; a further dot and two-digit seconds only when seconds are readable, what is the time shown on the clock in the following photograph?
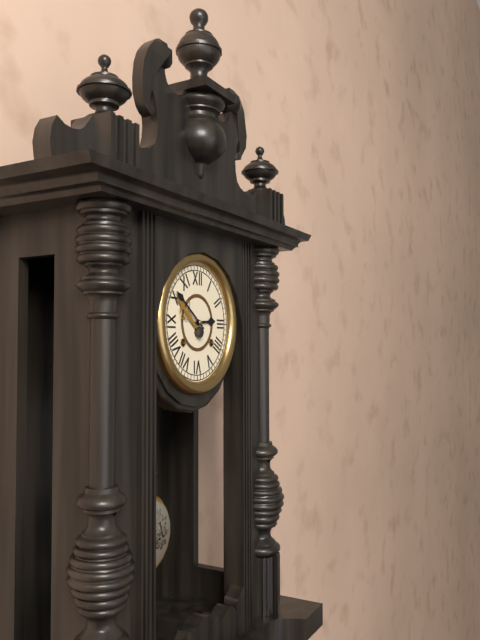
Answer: 2.51
